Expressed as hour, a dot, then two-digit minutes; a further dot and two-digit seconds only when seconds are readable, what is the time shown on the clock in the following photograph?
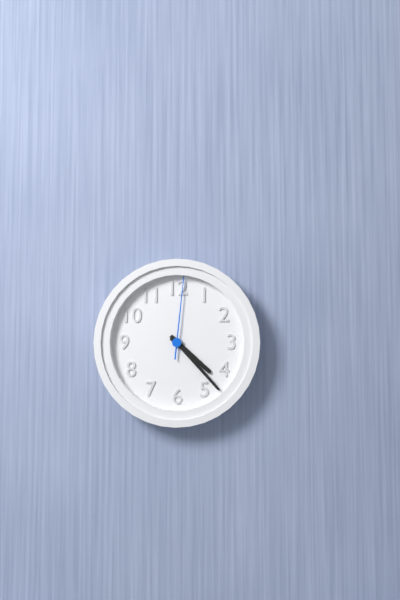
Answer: 4.23.01
